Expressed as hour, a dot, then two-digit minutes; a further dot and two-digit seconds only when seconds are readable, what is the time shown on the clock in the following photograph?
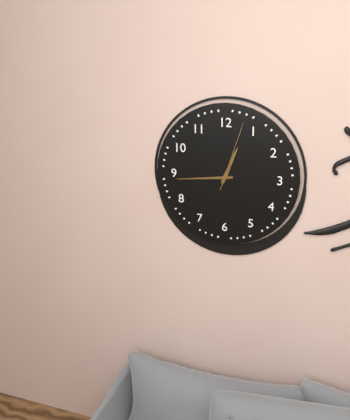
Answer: 12.44.03
